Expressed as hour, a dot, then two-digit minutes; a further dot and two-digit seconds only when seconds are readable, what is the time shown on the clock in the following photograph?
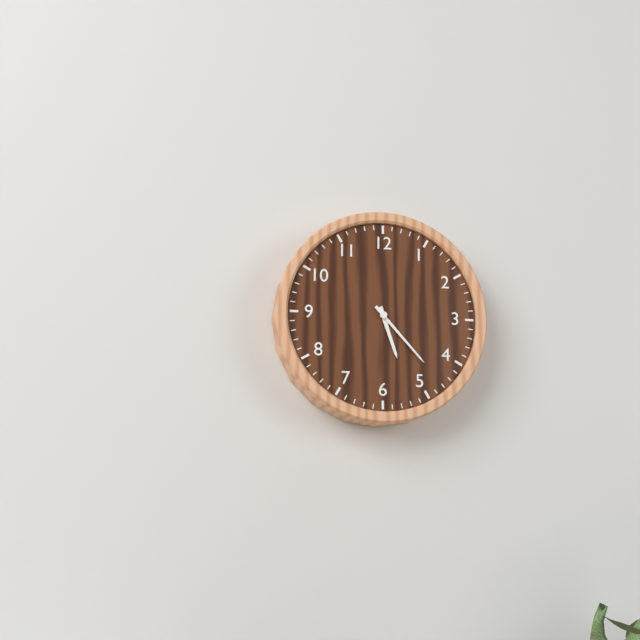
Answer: 5.23
